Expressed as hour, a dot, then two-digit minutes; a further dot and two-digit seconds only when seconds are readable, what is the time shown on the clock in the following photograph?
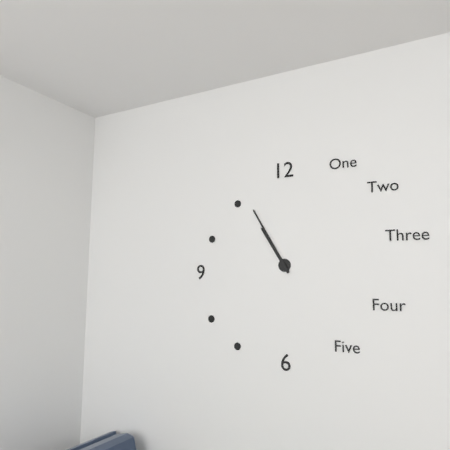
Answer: 10.55
